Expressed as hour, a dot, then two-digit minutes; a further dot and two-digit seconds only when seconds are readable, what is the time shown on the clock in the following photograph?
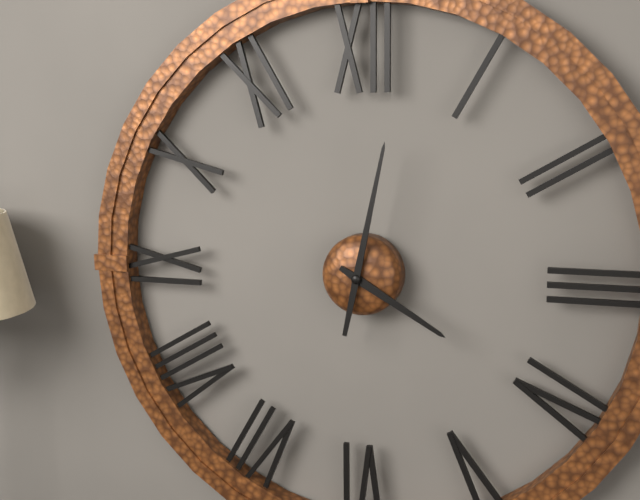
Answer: 4.02
